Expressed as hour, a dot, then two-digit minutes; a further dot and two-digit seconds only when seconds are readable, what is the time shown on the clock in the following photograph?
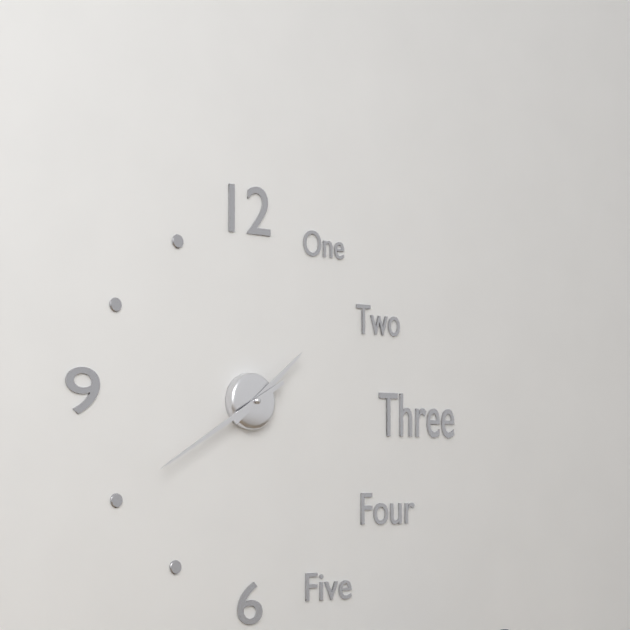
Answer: 1.40
